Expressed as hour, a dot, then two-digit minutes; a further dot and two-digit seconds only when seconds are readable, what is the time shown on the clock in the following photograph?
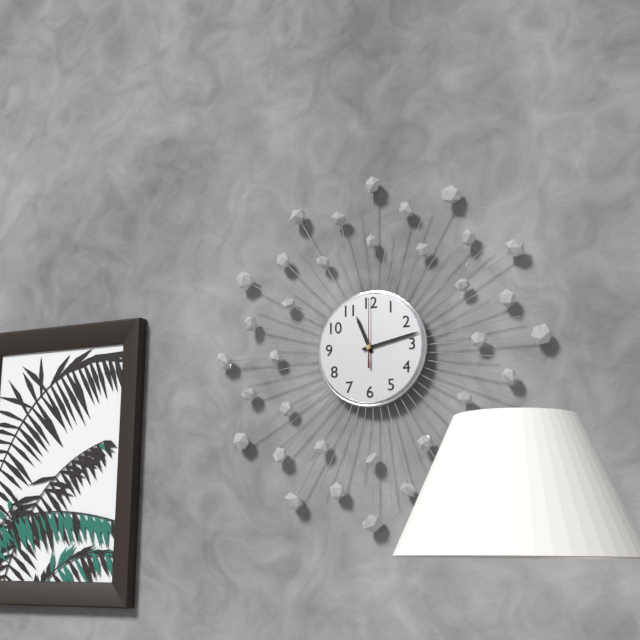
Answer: 11.13.00
